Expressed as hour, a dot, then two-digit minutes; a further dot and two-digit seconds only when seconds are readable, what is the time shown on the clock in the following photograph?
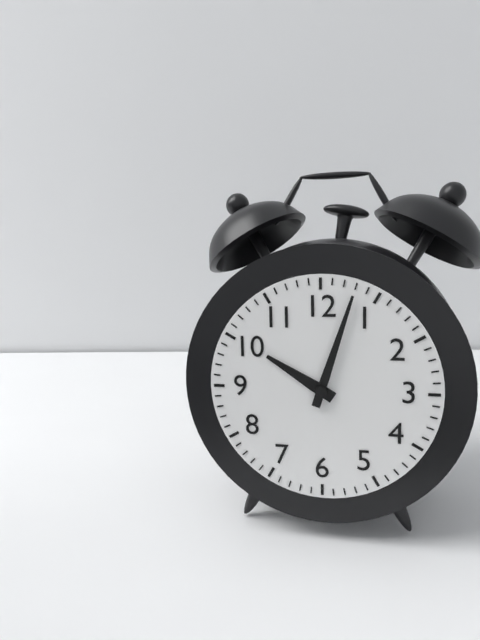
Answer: 10.03
